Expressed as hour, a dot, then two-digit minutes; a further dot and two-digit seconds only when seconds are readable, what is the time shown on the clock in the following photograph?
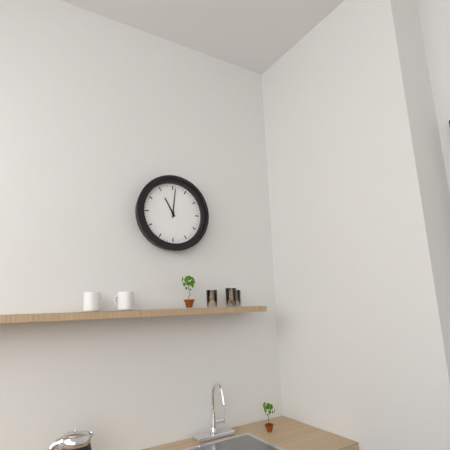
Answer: 11.01
